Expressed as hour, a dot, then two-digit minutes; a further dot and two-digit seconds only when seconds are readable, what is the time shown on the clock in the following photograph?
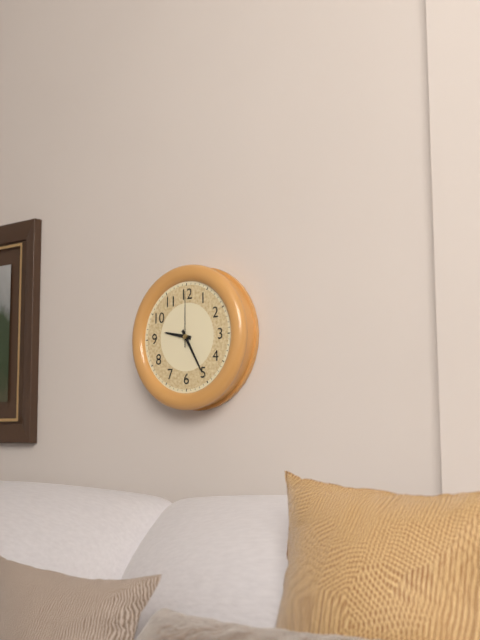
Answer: 9.25.00
